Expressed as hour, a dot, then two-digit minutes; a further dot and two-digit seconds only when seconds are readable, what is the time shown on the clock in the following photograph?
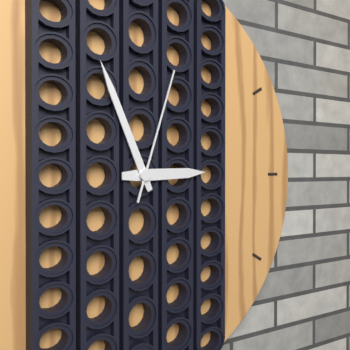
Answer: 2.56.03
